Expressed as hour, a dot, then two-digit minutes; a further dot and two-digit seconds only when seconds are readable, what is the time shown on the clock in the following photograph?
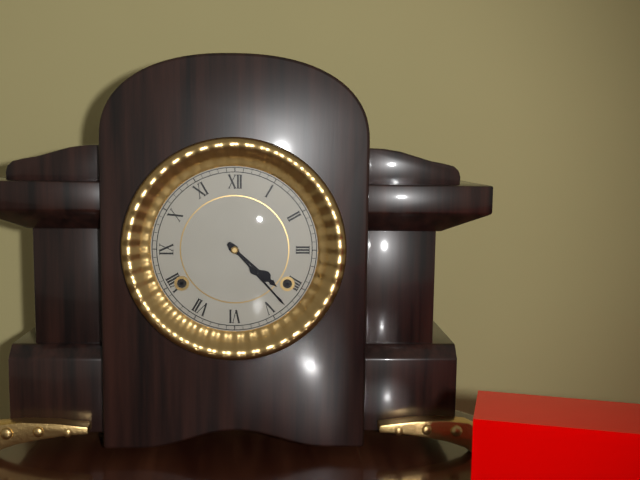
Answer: 4.23
